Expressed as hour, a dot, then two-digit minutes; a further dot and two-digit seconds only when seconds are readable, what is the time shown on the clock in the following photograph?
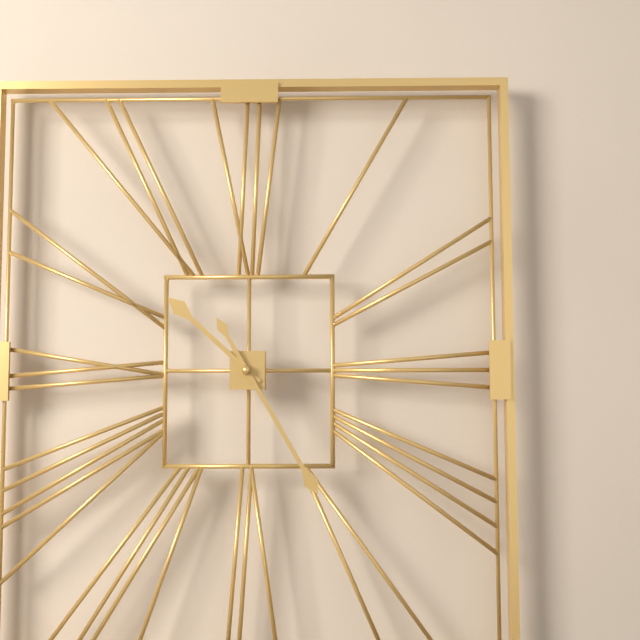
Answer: 10.25
